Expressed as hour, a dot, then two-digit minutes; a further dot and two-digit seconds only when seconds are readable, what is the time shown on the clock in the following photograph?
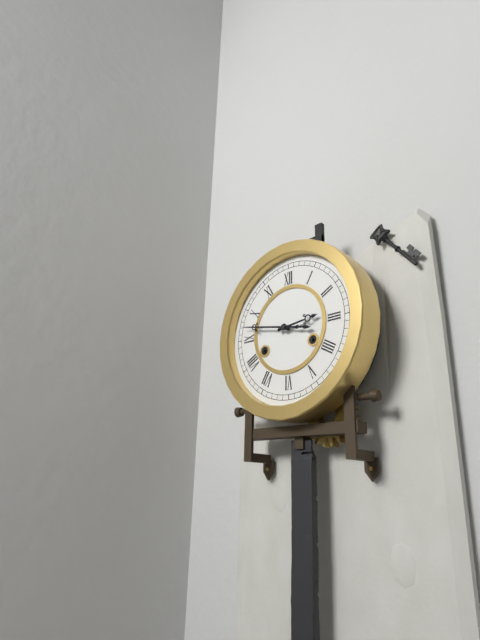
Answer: 2.47
